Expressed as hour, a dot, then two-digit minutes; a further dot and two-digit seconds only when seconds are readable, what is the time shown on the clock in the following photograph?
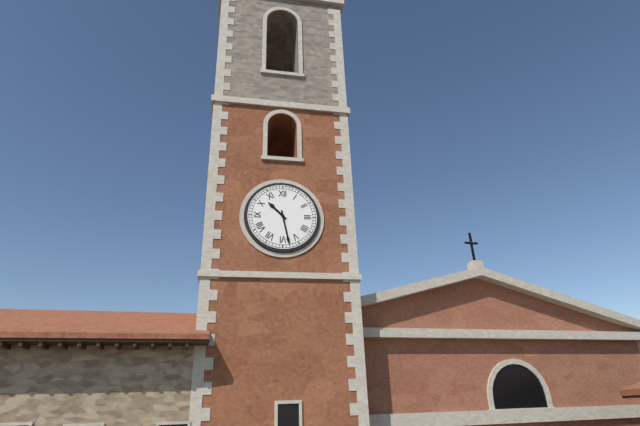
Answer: 10.28
